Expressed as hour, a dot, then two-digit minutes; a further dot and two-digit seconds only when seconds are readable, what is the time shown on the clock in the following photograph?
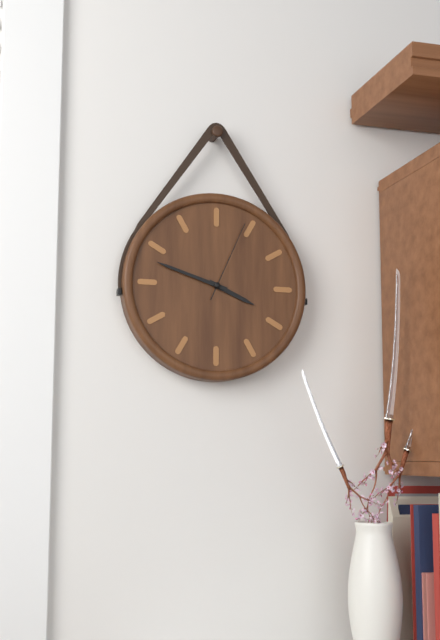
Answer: 3.48.04
